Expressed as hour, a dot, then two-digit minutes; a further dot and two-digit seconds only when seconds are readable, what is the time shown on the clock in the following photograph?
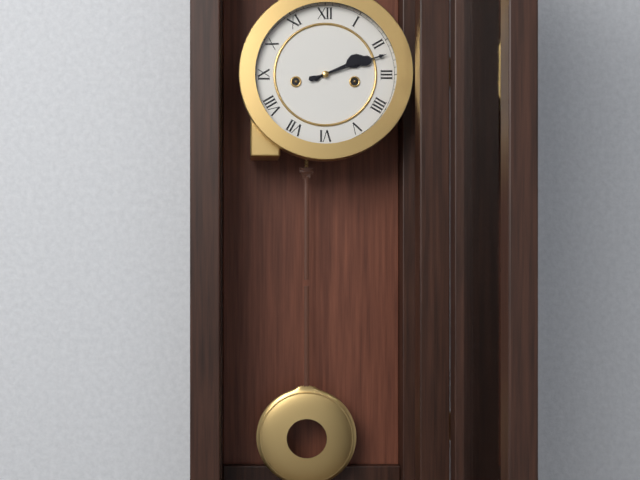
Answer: 2.12
